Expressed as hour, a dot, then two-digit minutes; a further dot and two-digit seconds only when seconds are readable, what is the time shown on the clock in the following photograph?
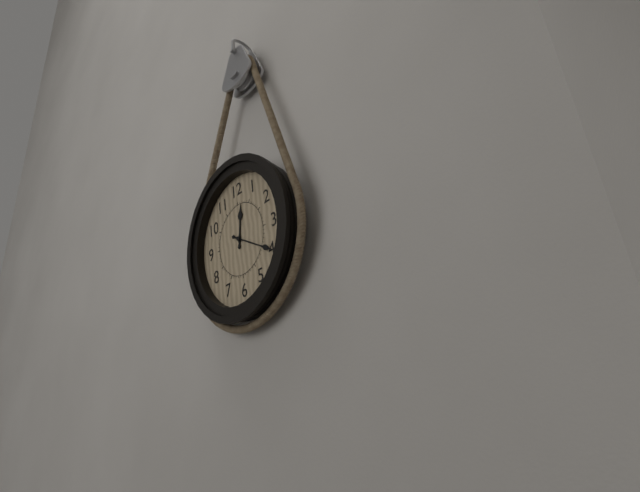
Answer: 12.20
